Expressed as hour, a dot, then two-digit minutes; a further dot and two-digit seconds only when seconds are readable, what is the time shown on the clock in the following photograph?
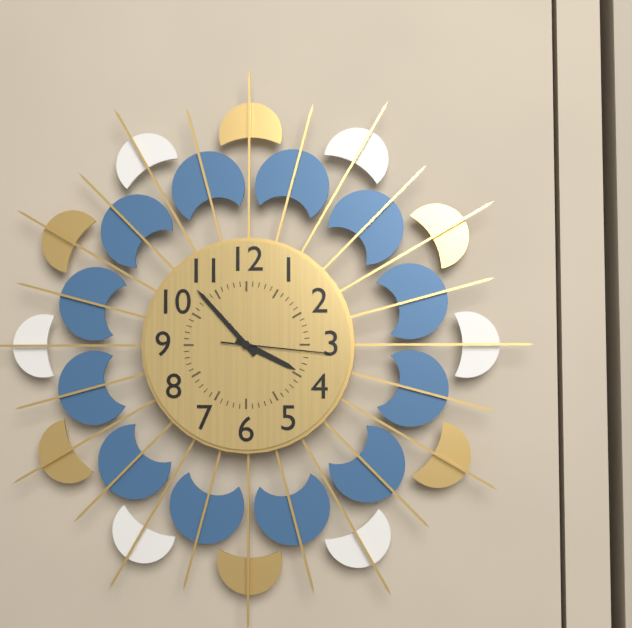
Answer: 3.53.16
